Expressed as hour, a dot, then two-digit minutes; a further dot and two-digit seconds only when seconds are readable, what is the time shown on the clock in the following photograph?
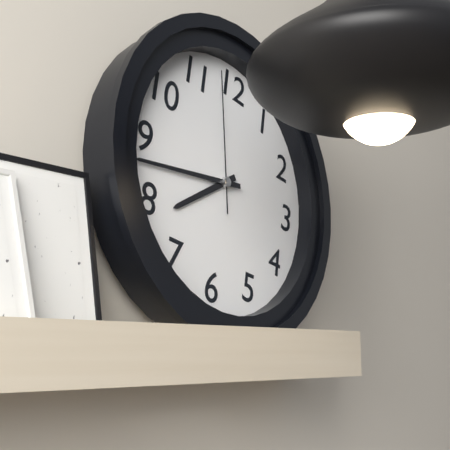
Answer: 7.43.58
